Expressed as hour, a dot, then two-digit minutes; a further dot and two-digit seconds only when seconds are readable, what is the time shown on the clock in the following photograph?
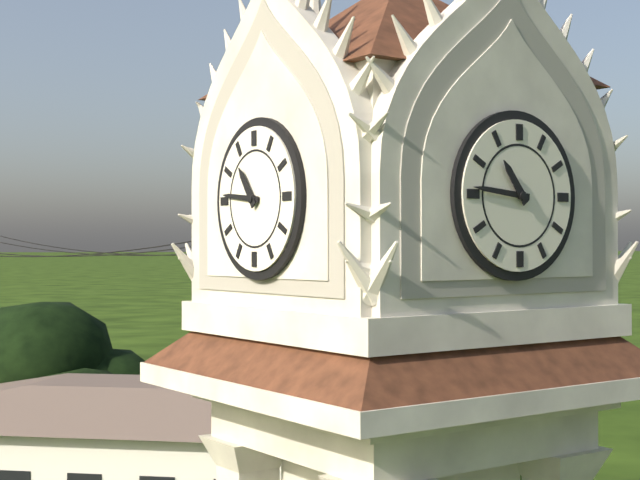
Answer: 10.46
